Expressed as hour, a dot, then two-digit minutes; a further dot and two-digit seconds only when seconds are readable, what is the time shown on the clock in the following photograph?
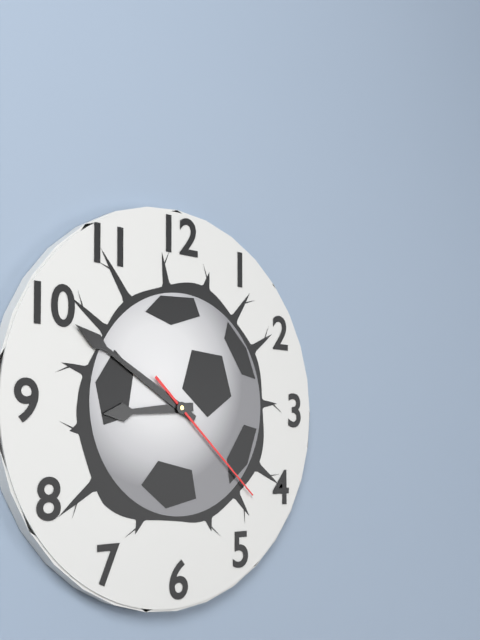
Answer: 8.50.22
